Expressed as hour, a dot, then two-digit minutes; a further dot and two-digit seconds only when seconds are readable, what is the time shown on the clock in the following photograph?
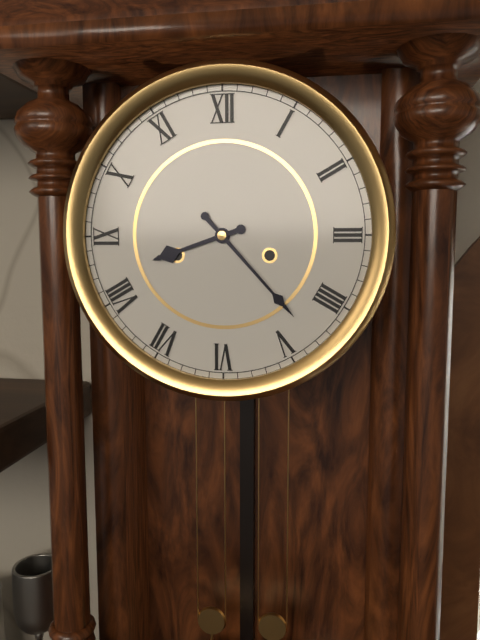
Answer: 8.23
